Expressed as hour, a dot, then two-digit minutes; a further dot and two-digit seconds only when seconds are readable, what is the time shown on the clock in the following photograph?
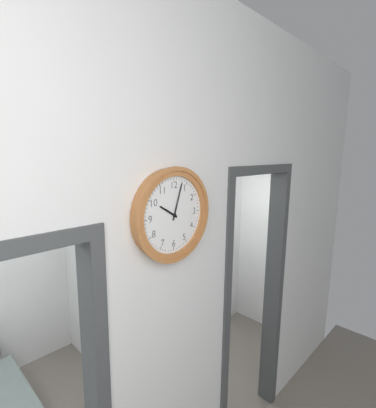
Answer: 10.03
